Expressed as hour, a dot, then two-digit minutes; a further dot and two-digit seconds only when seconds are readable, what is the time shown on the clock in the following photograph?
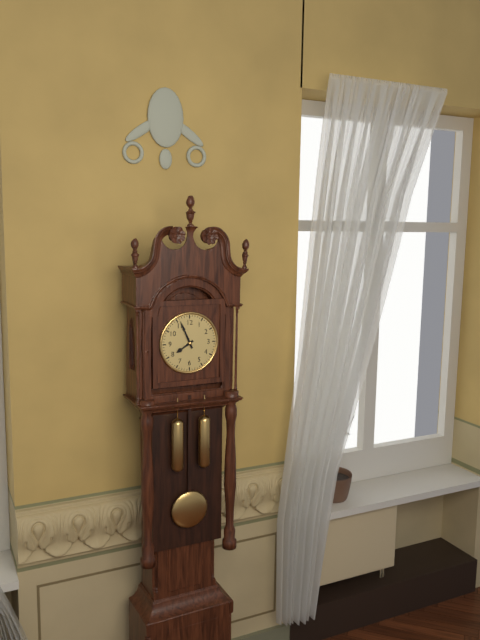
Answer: 7.56
